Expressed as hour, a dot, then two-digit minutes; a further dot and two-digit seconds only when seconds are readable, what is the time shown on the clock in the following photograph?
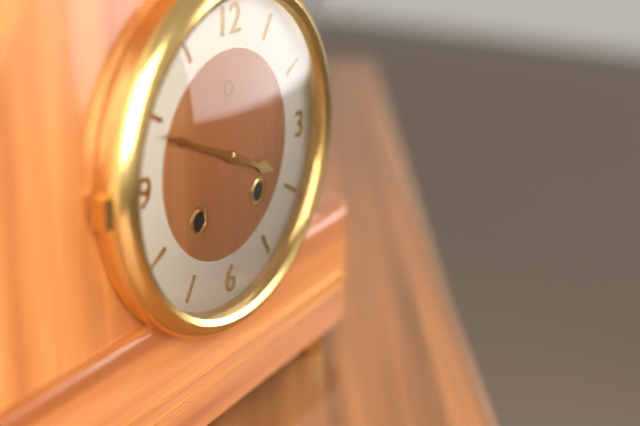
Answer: 3.49
